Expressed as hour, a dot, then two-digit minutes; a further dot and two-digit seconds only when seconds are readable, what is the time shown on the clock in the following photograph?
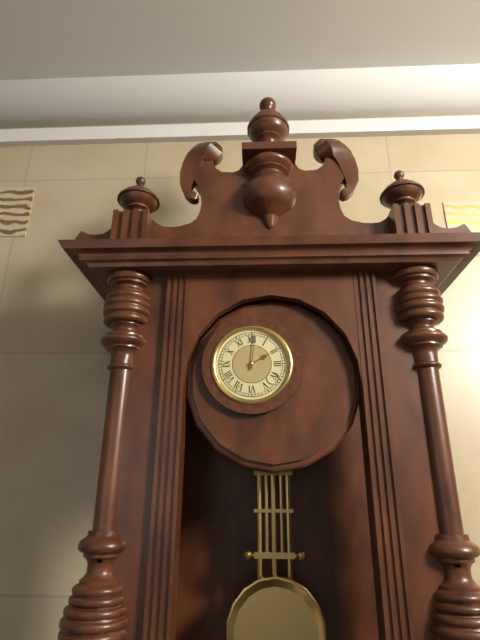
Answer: 2.01
